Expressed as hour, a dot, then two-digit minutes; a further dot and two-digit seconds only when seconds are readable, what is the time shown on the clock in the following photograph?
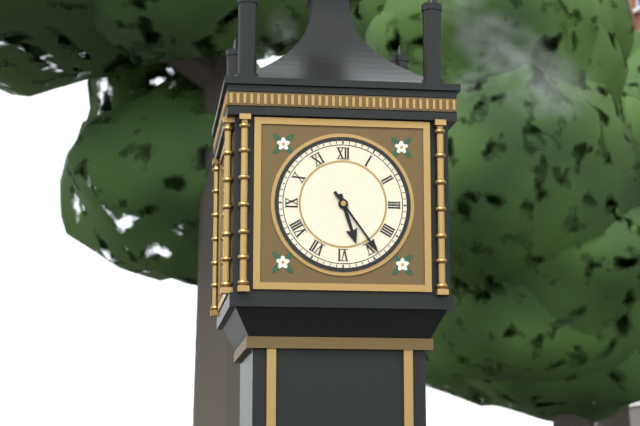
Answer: 5.24
